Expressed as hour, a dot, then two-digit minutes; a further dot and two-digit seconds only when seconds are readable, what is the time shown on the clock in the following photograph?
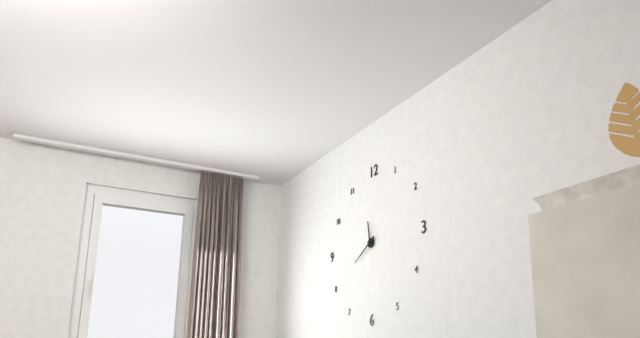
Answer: 11.40
